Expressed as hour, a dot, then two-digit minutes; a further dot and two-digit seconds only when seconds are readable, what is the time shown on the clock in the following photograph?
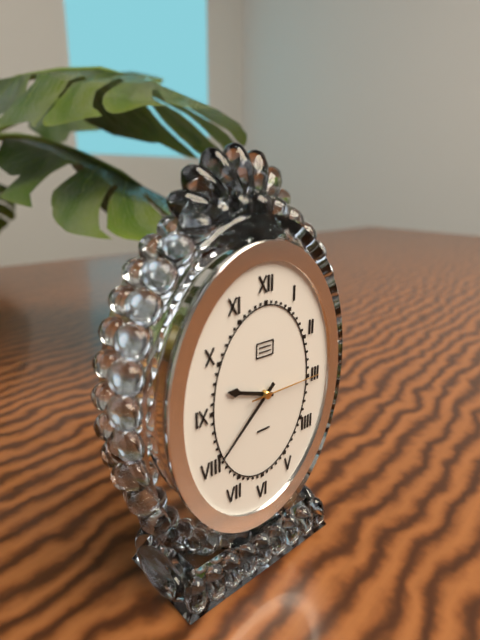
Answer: 9.38.15
